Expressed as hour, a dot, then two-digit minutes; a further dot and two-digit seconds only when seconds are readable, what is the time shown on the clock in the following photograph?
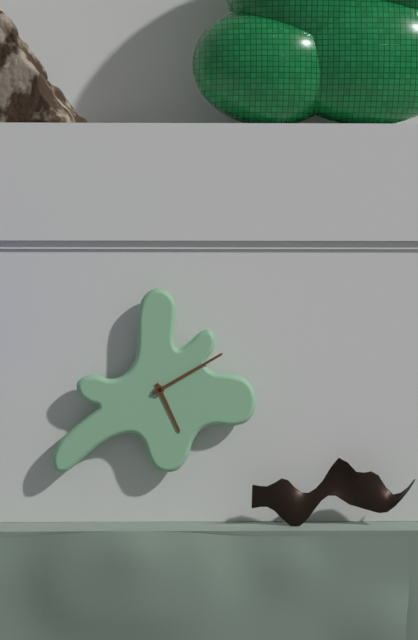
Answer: 5.10
